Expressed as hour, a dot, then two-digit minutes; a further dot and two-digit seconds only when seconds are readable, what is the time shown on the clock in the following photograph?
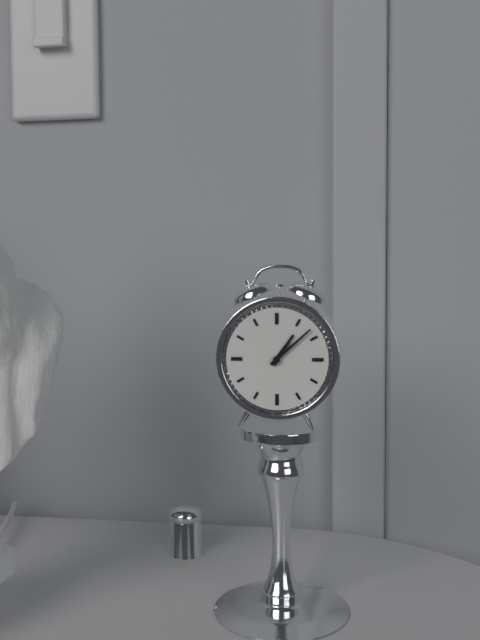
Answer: 1.08
